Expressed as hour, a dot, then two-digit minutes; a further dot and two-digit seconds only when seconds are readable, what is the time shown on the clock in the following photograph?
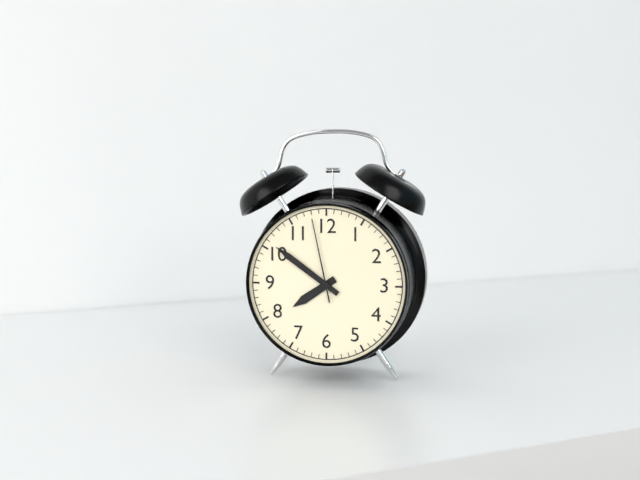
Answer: 7.51.58
